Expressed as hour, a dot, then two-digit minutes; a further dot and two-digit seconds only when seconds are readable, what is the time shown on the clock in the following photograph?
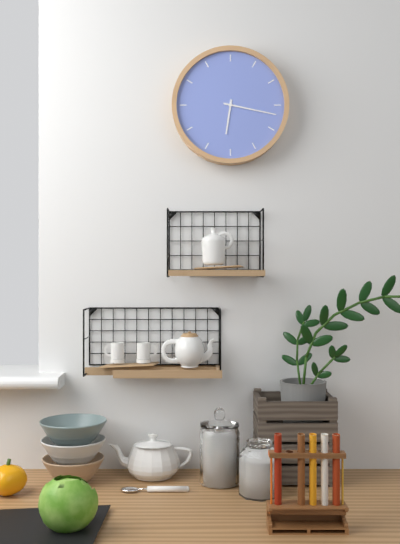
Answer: 6.17
